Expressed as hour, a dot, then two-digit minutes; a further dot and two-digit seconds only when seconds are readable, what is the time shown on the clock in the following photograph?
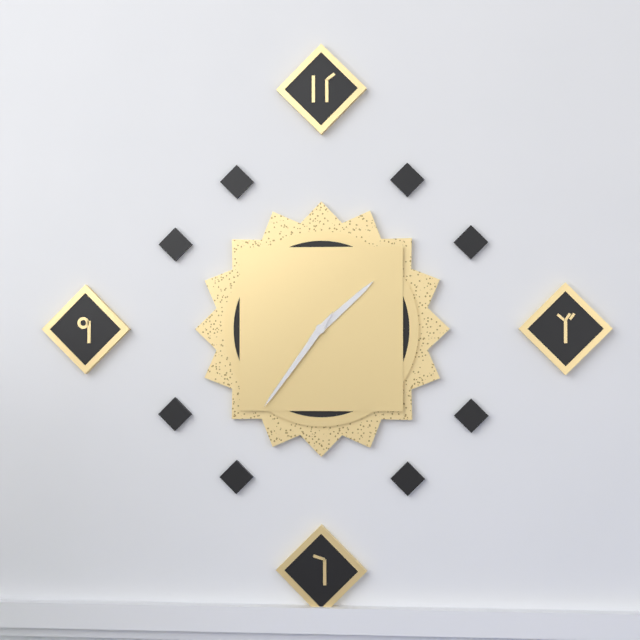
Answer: 1.36
